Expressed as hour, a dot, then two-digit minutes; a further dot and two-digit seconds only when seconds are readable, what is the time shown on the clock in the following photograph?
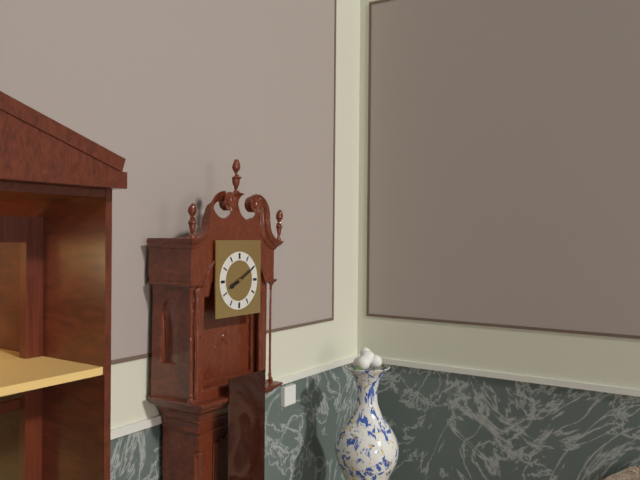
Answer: 8.10
